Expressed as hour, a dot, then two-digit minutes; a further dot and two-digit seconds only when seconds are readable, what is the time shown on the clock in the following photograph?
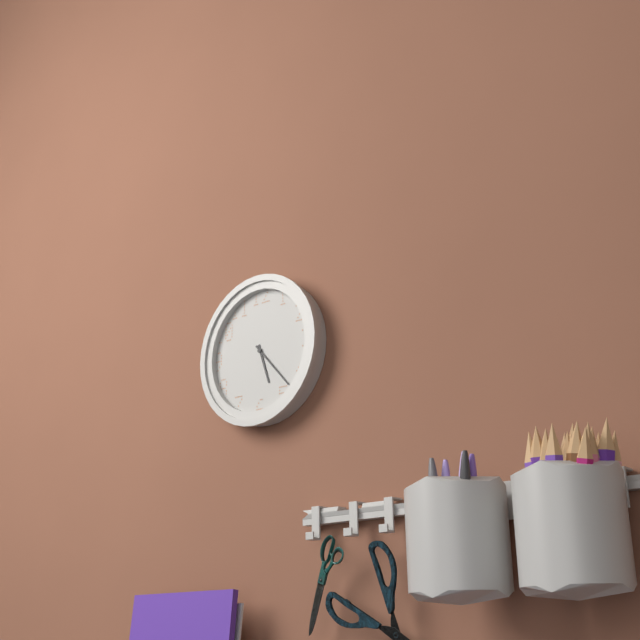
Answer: 5.23
